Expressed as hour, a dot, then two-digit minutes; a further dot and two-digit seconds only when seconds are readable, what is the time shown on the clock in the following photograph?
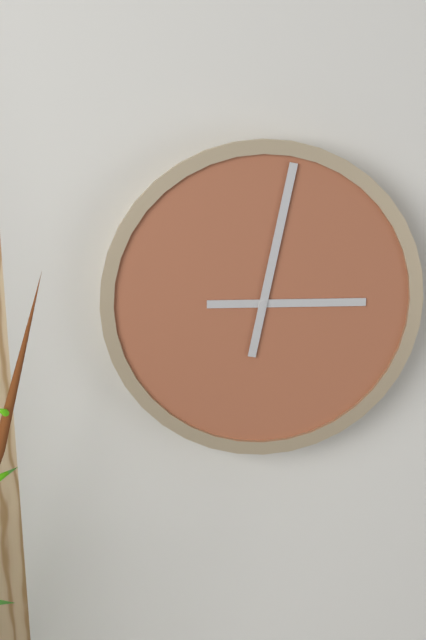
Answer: 3.02
